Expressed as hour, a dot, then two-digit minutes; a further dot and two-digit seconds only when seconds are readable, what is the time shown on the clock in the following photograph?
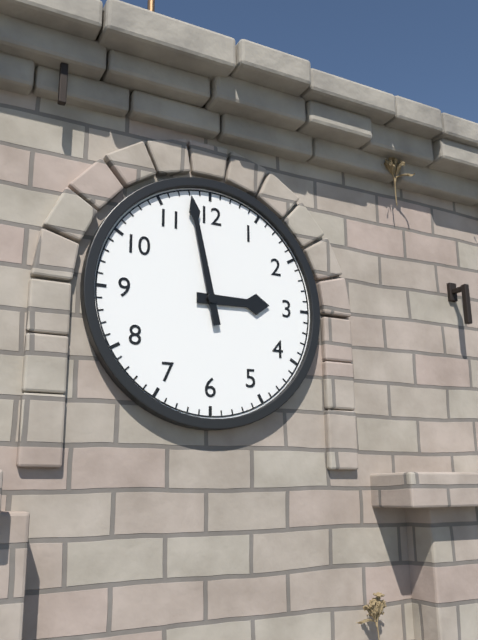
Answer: 2.58
